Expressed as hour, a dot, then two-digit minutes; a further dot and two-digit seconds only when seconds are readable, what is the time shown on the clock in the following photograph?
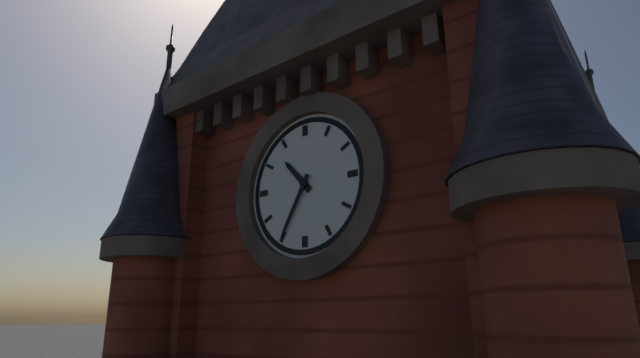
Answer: 10.35
